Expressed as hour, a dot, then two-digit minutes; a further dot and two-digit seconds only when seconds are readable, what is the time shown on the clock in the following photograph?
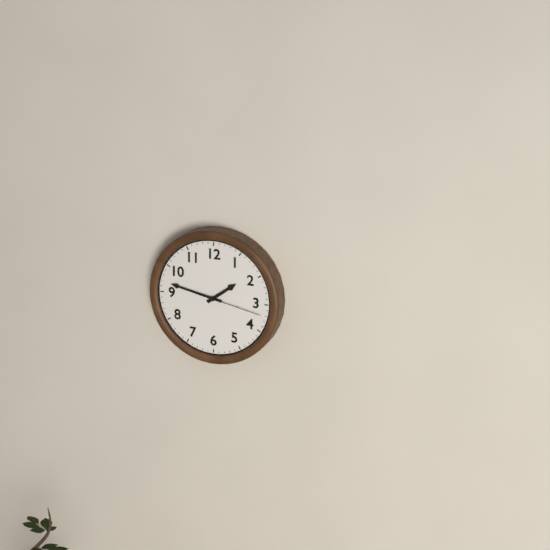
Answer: 1.47.17
